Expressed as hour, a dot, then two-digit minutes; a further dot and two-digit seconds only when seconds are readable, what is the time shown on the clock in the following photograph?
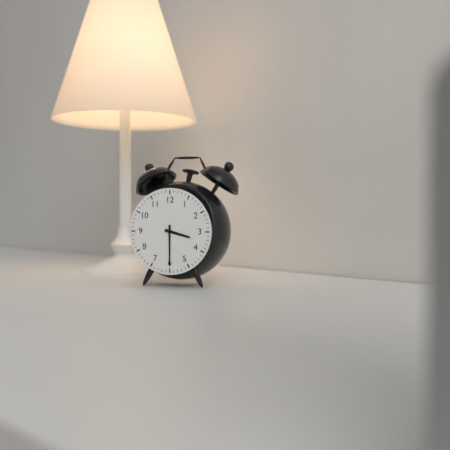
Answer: 3.30
